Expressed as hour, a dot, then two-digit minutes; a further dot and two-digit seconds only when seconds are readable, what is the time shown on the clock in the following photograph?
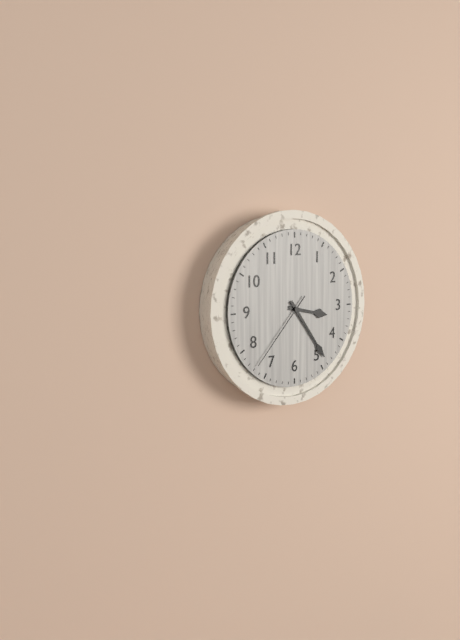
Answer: 3.24.37
